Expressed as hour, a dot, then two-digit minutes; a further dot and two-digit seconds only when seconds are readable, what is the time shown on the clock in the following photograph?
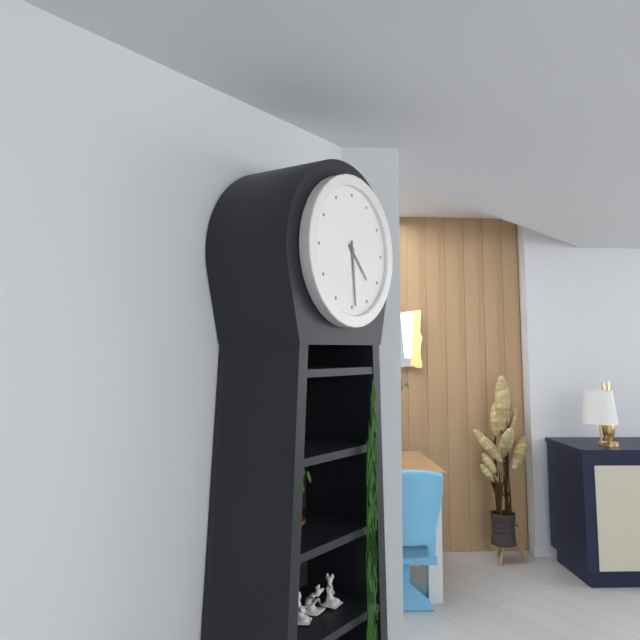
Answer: 4.29
